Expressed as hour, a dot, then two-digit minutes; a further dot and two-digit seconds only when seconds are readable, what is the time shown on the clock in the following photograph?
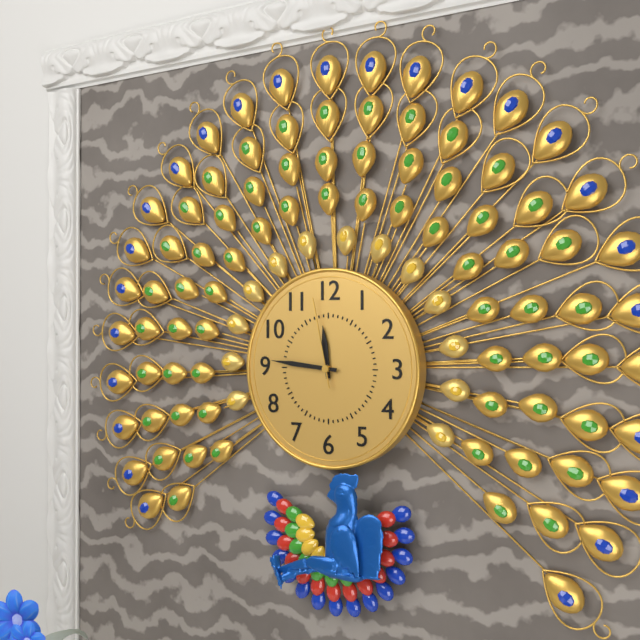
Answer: 11.46.58
